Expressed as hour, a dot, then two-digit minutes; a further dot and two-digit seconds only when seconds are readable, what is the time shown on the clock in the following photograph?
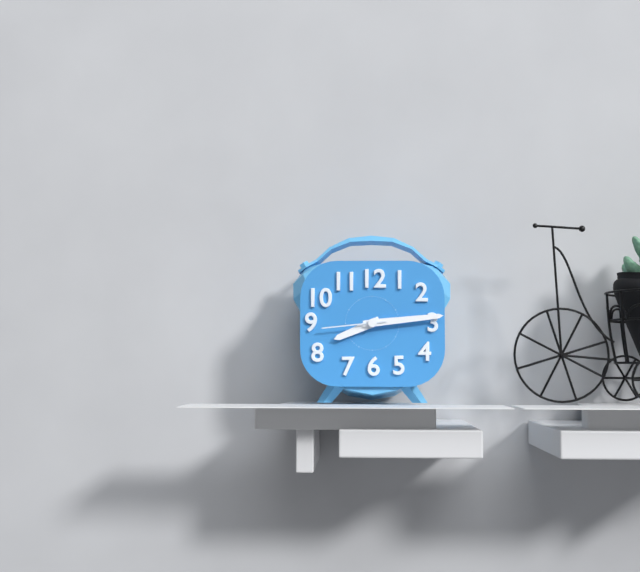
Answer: 8.14.44
